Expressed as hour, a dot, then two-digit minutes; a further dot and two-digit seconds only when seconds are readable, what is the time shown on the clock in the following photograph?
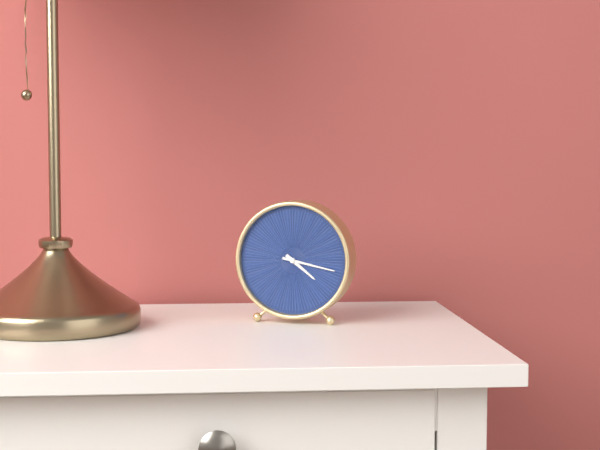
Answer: 4.17
